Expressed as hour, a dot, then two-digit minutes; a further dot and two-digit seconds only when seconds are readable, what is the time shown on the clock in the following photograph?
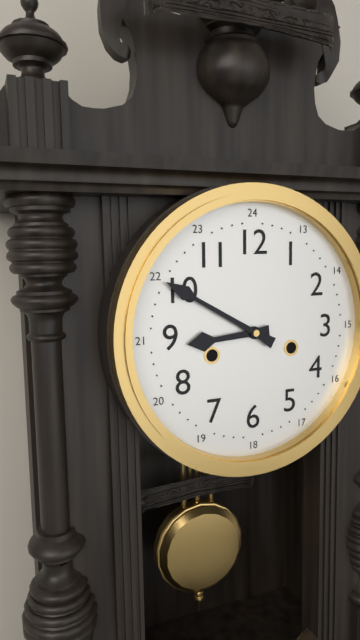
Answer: 8.50
